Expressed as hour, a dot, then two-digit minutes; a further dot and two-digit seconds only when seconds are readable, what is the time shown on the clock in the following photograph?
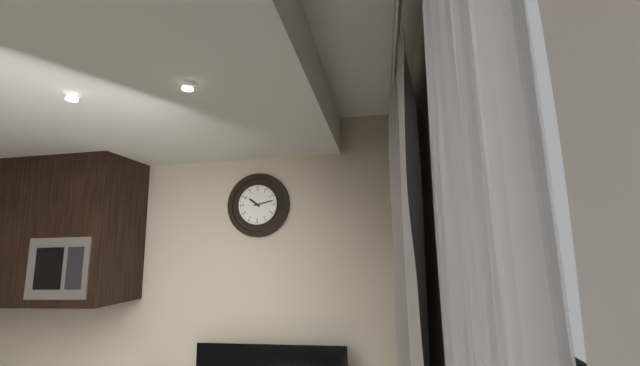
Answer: 10.13
